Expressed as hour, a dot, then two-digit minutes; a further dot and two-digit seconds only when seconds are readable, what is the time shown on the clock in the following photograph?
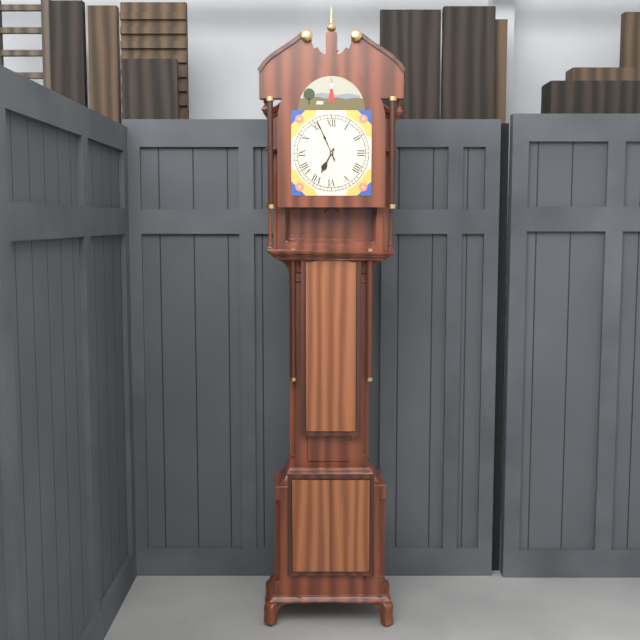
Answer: 6.56
